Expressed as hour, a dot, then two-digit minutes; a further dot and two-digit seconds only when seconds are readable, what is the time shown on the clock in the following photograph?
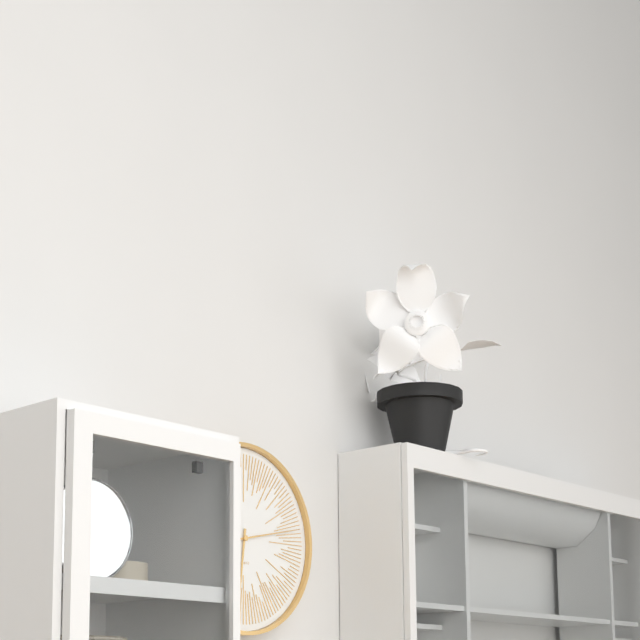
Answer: 6.13
